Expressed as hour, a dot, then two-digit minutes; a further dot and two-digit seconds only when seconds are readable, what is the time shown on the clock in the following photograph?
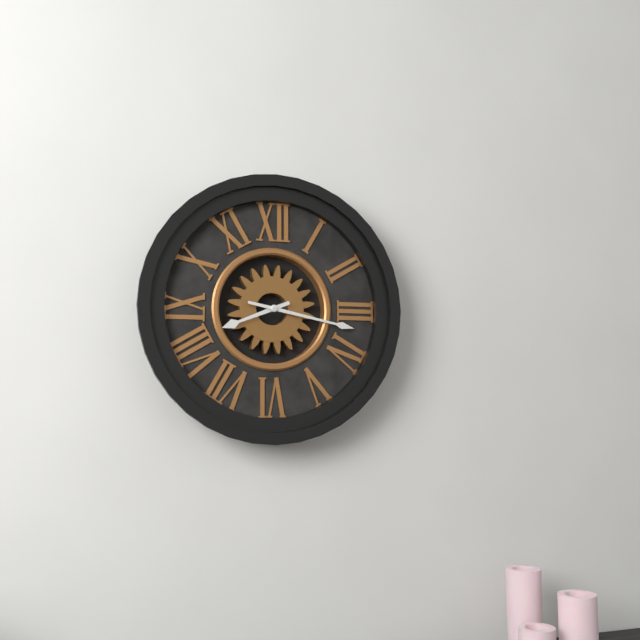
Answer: 8.17
